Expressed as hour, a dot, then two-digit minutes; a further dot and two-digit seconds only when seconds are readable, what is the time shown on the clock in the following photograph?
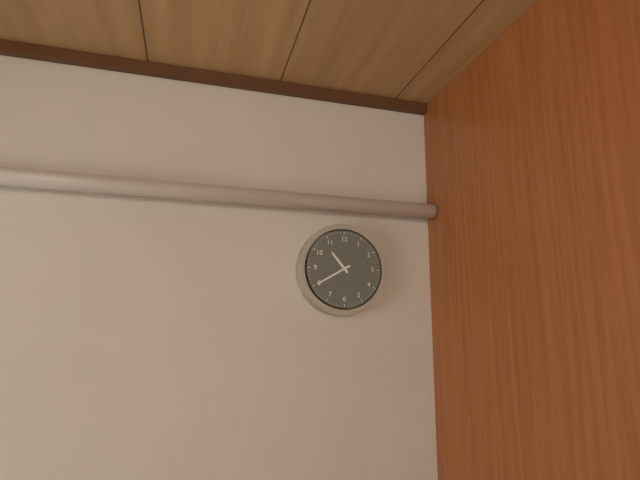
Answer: 10.40
